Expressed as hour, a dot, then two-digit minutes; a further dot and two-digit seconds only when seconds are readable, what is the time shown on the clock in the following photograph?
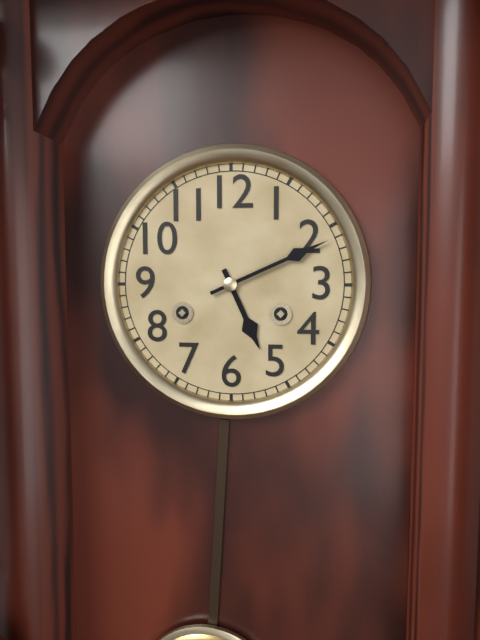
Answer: 5.11
